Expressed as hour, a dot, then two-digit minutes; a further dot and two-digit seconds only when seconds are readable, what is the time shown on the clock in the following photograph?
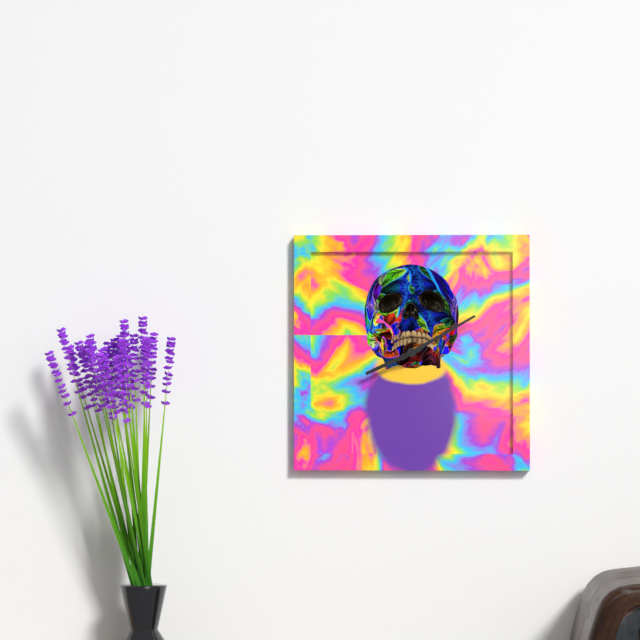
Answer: 8.10
